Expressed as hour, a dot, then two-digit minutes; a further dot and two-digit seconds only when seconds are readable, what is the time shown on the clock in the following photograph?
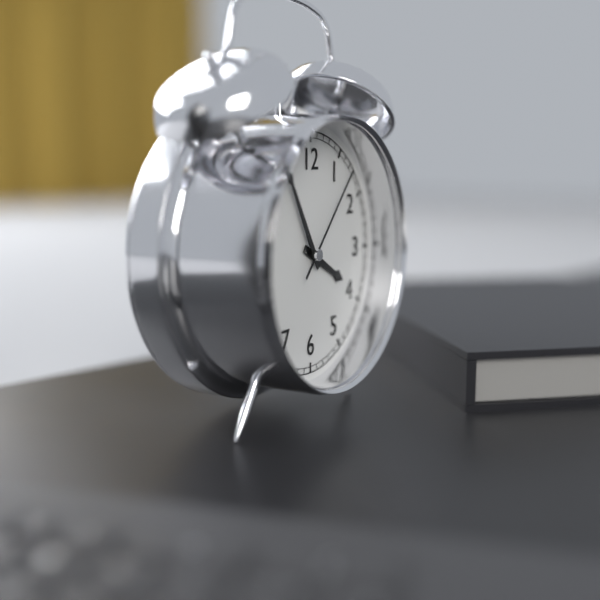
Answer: 3.55.07
